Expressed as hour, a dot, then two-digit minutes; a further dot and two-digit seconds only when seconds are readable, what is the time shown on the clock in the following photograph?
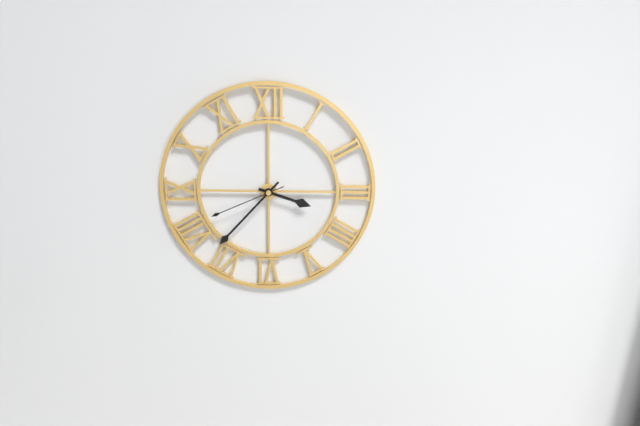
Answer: 3.37.41
